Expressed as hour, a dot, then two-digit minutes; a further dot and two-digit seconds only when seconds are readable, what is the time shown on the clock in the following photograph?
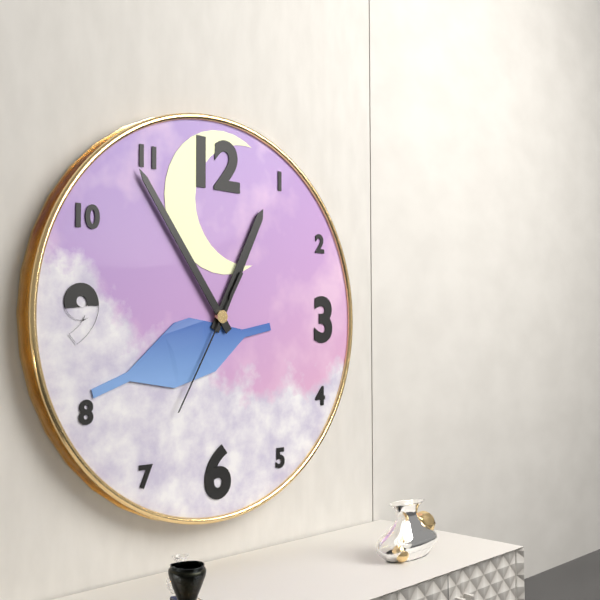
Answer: 12.54.35
